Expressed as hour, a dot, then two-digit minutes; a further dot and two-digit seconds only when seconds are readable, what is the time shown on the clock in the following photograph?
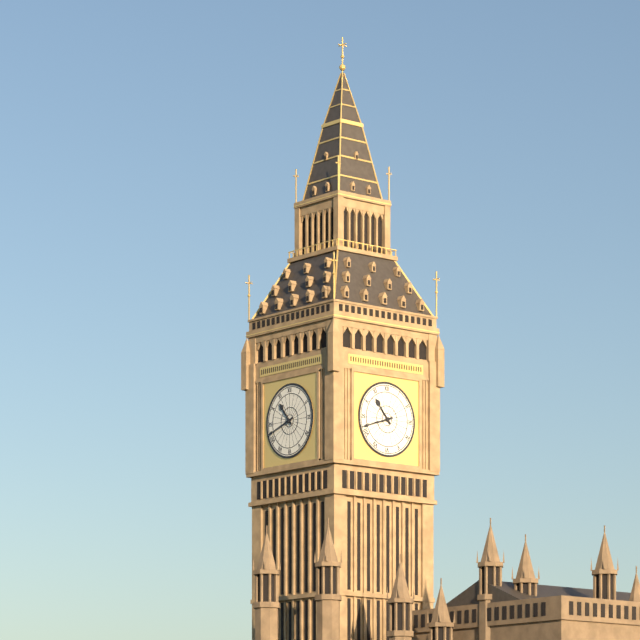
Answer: 10.42
